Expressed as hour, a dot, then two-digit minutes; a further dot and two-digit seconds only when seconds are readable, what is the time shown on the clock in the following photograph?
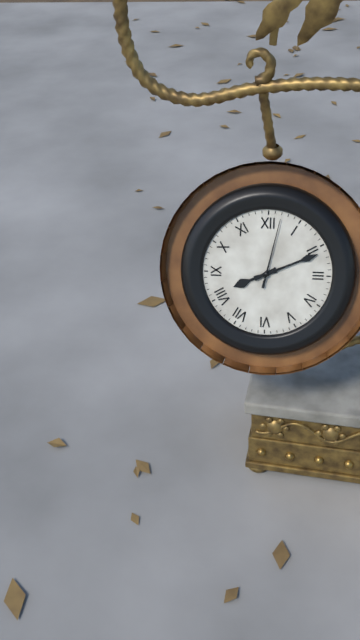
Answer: 8.11.02
